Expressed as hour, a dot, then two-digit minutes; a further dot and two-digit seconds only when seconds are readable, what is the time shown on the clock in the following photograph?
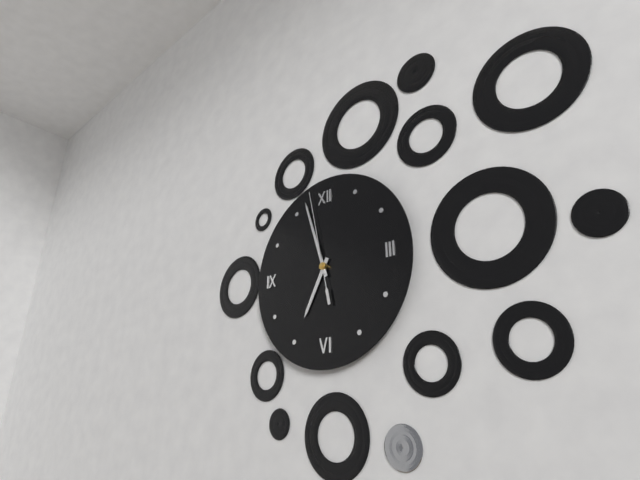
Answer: 6.57.58
